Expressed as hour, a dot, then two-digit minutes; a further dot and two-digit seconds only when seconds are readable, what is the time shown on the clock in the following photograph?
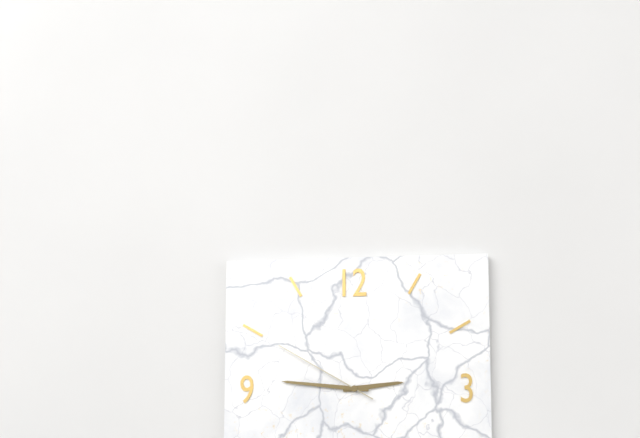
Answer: 2.46.50
